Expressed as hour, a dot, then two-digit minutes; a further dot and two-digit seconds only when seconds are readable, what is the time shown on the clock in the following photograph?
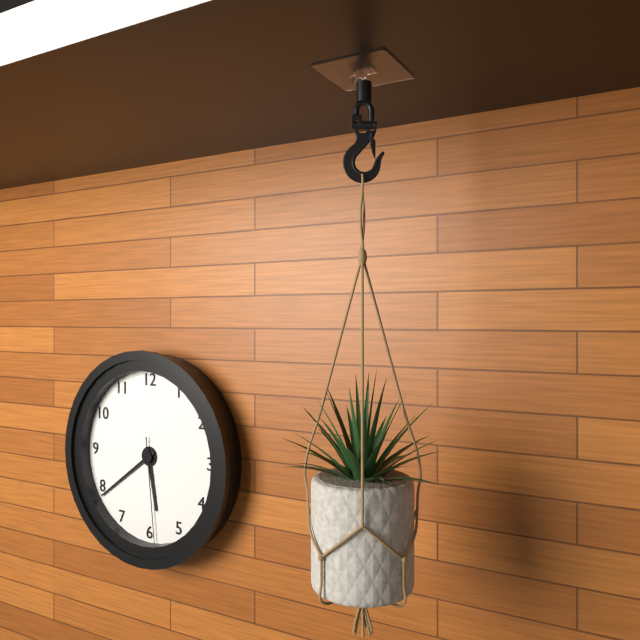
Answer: 5.39.29
